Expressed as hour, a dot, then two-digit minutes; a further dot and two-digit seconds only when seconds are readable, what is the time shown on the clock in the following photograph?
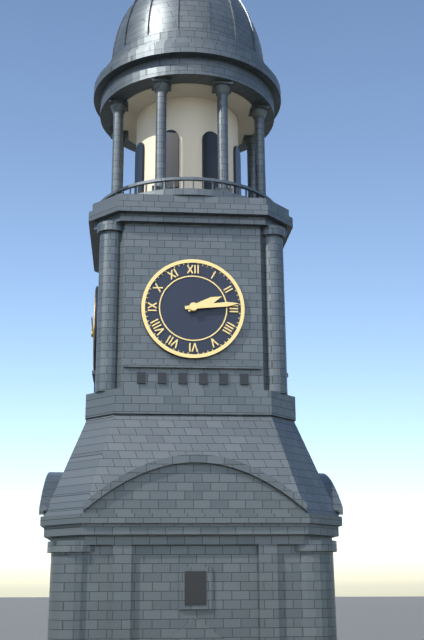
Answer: 2.14
